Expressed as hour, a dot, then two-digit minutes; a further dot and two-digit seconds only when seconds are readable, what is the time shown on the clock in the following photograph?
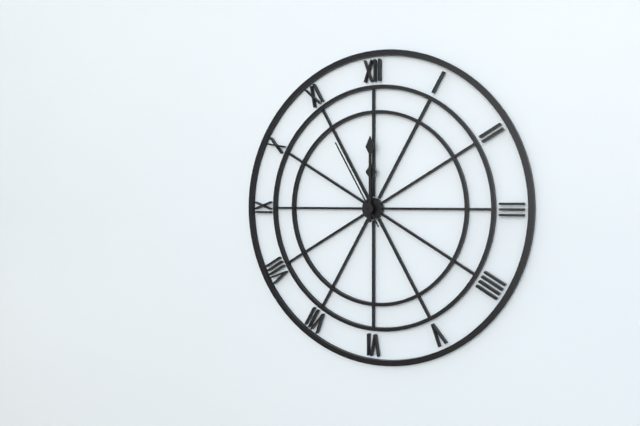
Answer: 12.00.55
